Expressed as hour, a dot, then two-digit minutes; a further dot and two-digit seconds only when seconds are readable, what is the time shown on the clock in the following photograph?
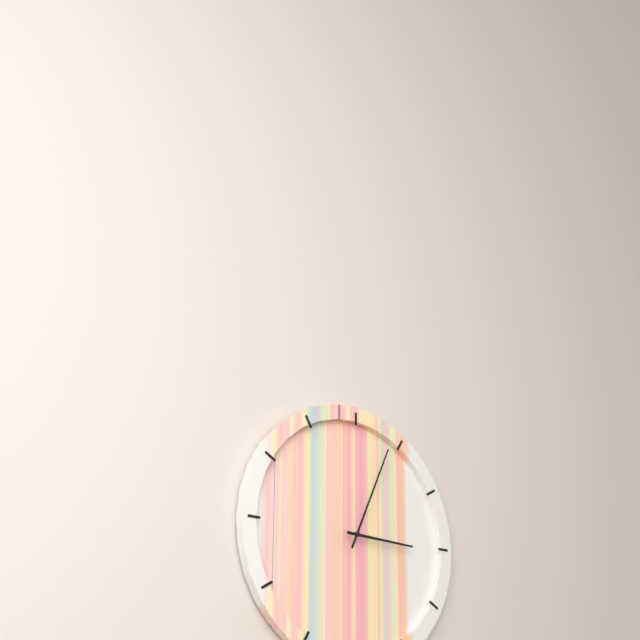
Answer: 3.04
